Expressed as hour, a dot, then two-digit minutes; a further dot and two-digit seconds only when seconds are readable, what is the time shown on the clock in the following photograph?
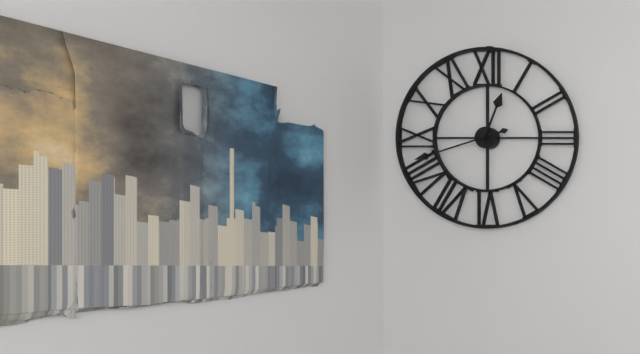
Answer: 12.42
